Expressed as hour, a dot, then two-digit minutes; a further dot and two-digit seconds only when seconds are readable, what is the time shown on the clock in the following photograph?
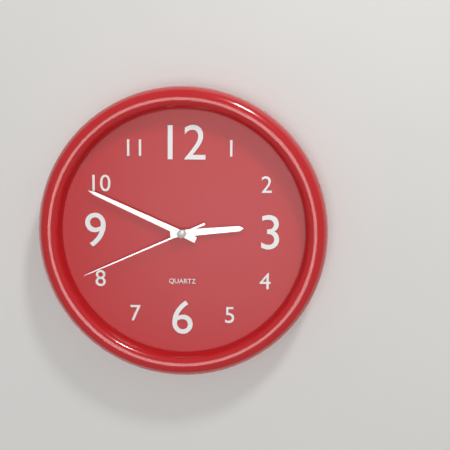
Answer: 2.49.41
